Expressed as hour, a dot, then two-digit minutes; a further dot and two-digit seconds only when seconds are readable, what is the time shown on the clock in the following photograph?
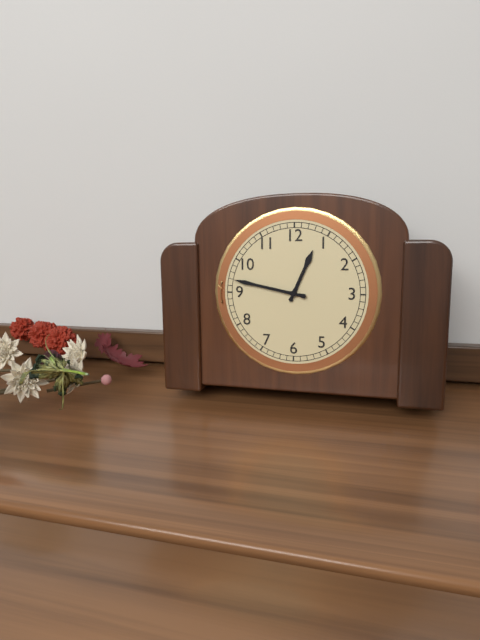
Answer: 12.47
